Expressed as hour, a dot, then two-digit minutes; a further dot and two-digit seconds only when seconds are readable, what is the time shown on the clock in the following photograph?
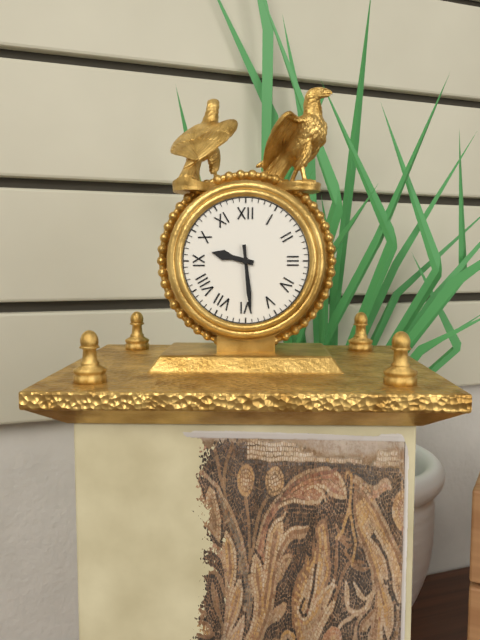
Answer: 9.29
